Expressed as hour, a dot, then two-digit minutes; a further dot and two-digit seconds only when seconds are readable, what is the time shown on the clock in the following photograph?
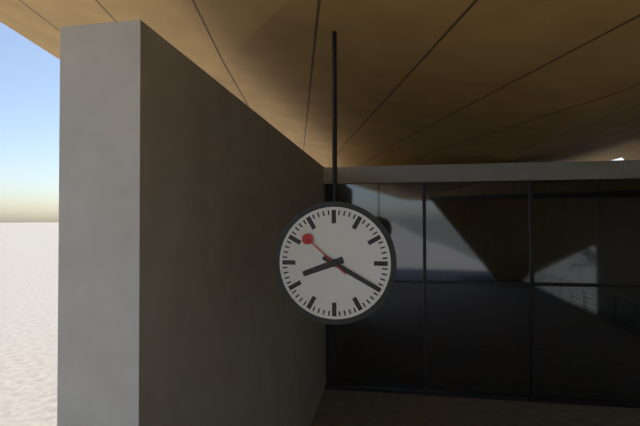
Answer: 8.20.52
